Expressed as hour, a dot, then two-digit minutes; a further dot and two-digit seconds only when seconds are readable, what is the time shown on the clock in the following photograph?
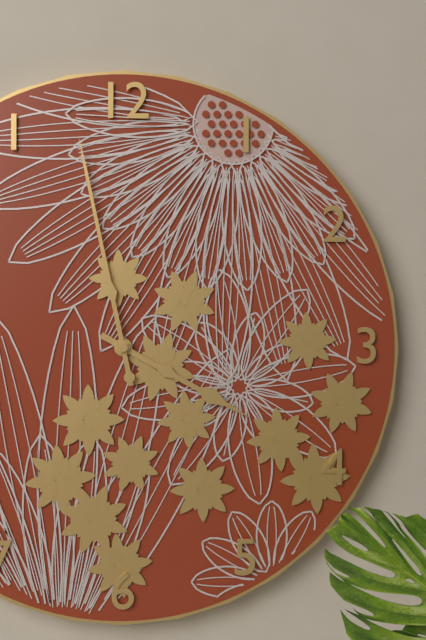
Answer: 3.58
